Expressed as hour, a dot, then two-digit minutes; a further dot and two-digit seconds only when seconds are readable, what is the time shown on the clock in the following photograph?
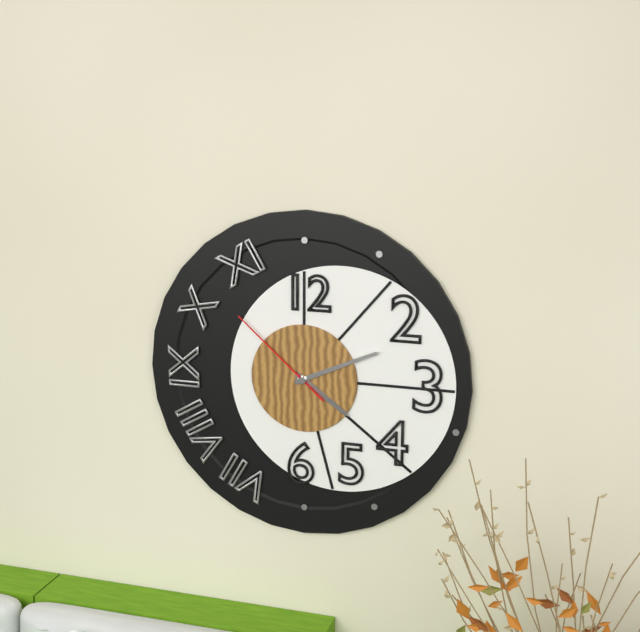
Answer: 4.11.52
